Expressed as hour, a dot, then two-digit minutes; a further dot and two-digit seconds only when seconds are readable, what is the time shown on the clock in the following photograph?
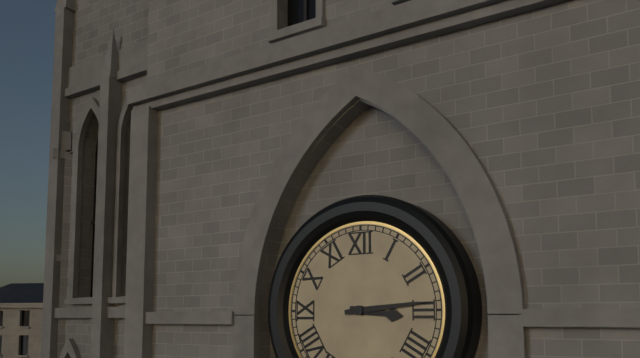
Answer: 3.14
